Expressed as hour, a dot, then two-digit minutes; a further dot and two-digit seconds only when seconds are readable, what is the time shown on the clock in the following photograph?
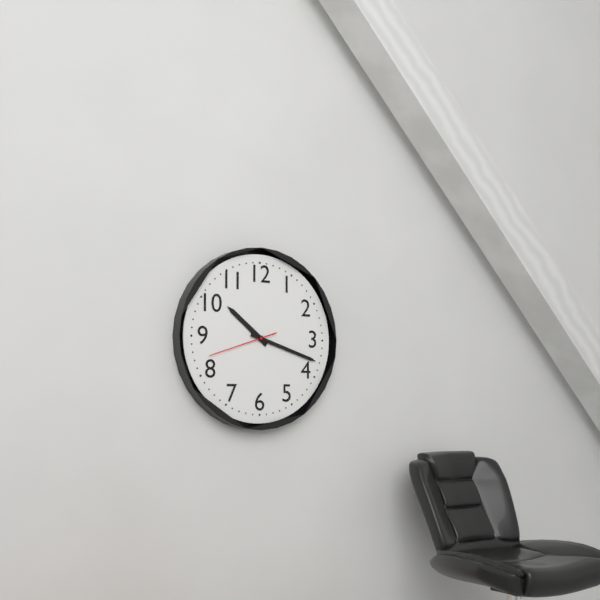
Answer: 10.18.42
